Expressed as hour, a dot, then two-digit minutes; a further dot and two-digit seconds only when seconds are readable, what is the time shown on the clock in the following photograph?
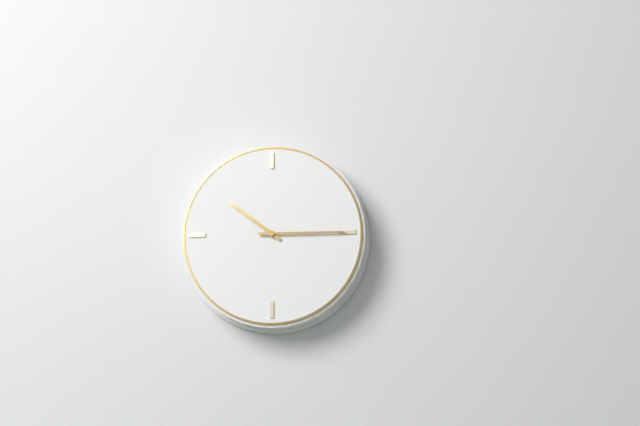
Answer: 10.15
